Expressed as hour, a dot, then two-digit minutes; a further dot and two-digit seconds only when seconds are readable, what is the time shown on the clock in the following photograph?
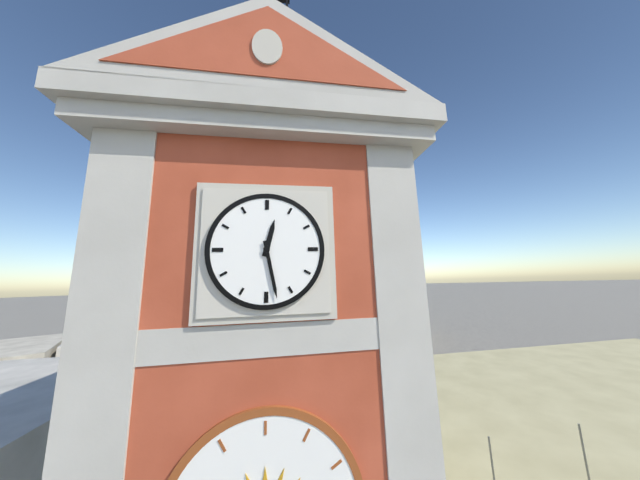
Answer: 12.28
